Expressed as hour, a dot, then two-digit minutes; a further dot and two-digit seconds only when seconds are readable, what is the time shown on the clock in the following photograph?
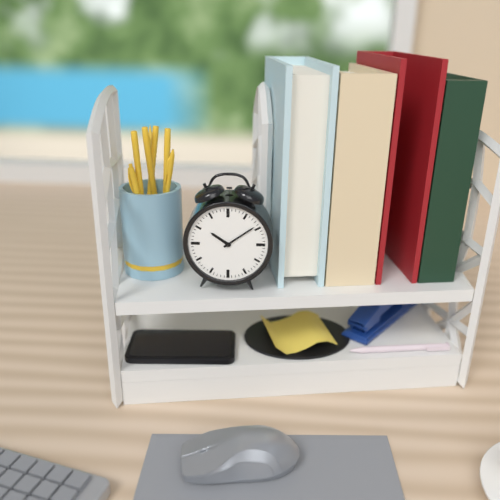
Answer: 10.09
